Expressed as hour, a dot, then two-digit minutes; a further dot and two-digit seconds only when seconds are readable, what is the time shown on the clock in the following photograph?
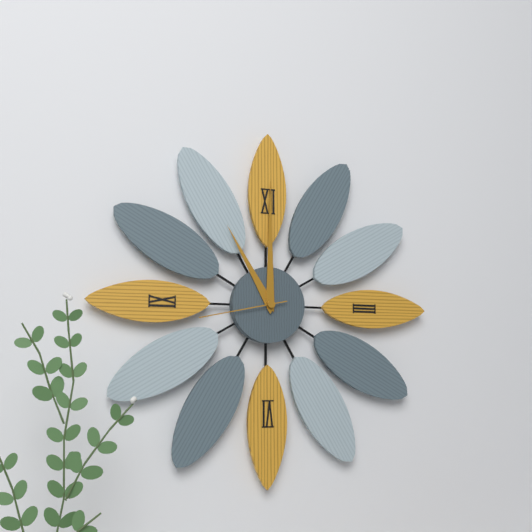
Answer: 11.00.43
